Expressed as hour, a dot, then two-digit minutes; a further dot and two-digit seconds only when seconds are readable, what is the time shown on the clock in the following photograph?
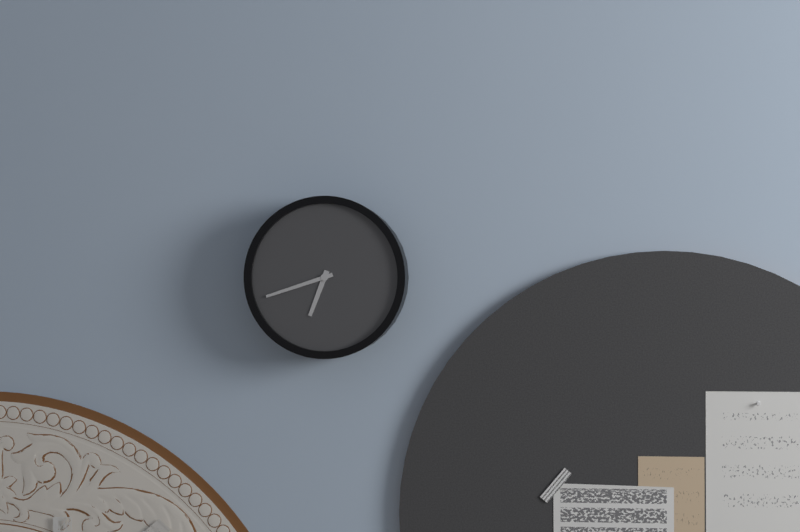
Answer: 6.42
